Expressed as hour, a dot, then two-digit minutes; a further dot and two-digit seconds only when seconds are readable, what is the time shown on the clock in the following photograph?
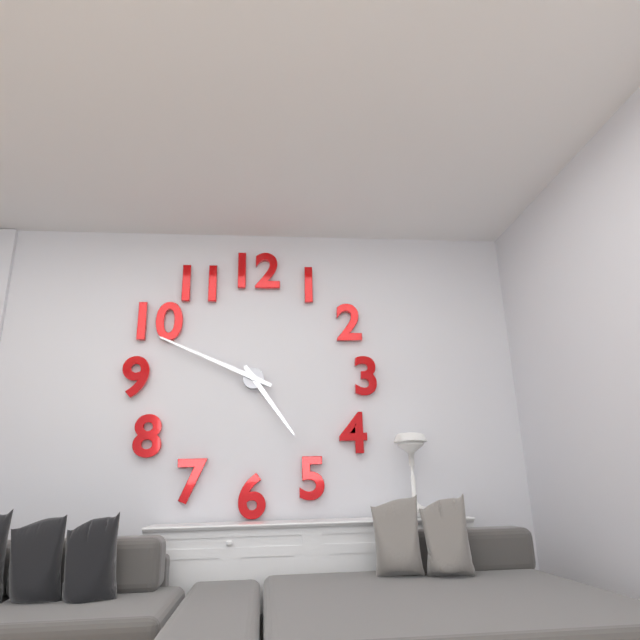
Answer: 4.49
